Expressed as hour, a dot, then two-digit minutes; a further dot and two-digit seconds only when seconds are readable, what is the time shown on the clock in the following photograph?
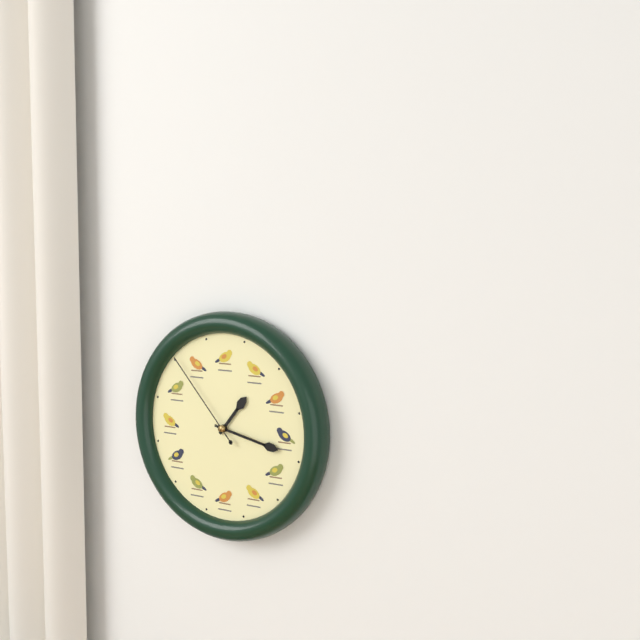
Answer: 1.17.53
